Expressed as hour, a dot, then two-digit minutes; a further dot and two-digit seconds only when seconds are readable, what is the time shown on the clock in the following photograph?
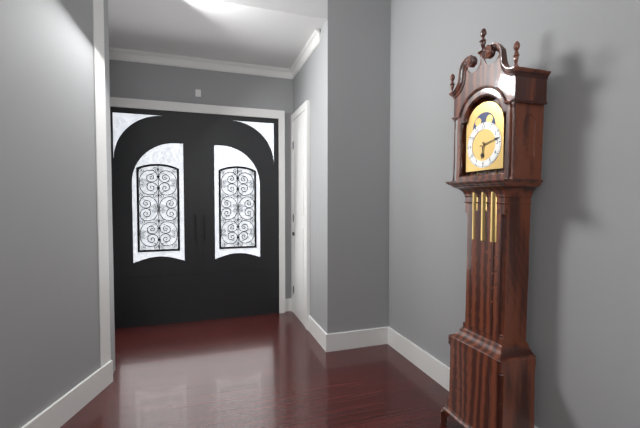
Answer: 6.13
